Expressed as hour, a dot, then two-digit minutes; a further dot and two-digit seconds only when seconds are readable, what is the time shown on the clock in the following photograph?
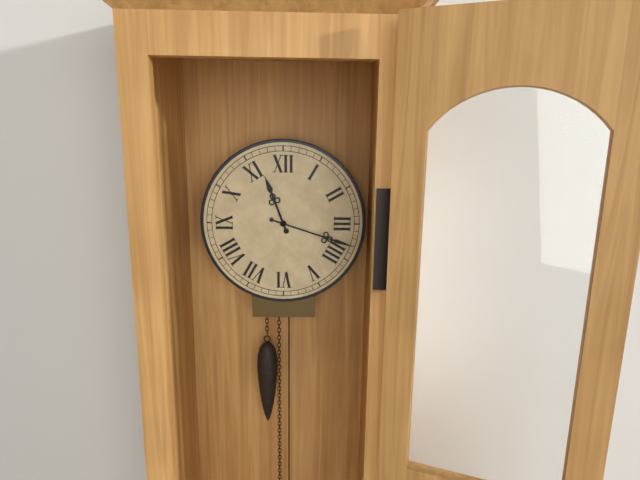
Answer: 11.18
